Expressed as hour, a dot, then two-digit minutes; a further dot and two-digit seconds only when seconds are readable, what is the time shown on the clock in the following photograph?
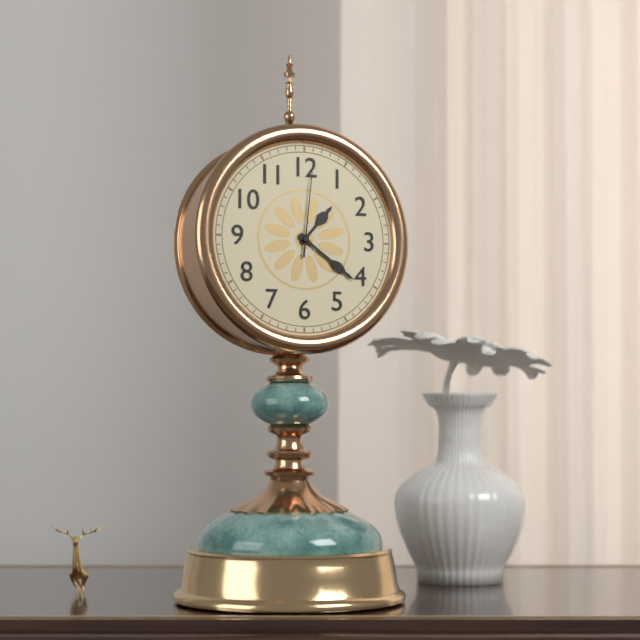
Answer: 1.21.01
